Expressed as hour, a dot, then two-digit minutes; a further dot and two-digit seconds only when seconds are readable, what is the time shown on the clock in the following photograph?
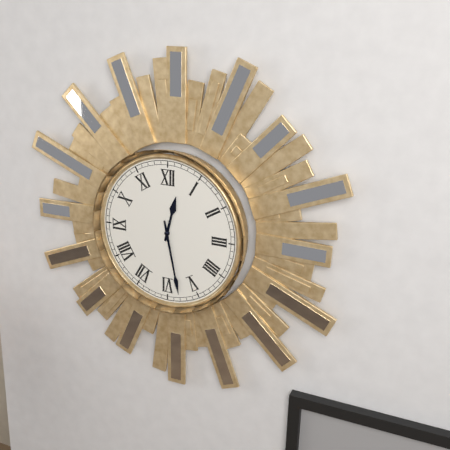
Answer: 12.28
